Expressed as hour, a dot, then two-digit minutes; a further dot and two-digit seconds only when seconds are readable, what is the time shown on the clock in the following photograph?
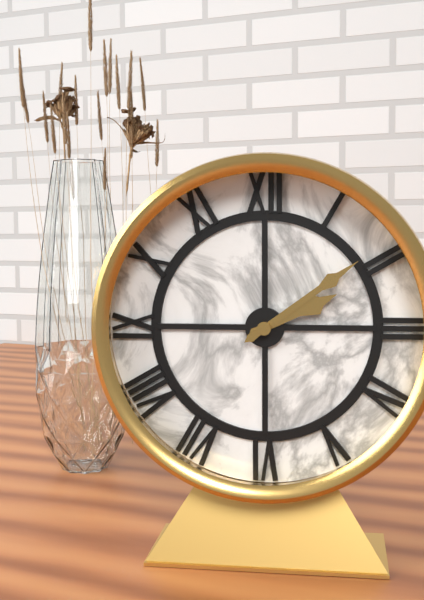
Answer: 2.09
